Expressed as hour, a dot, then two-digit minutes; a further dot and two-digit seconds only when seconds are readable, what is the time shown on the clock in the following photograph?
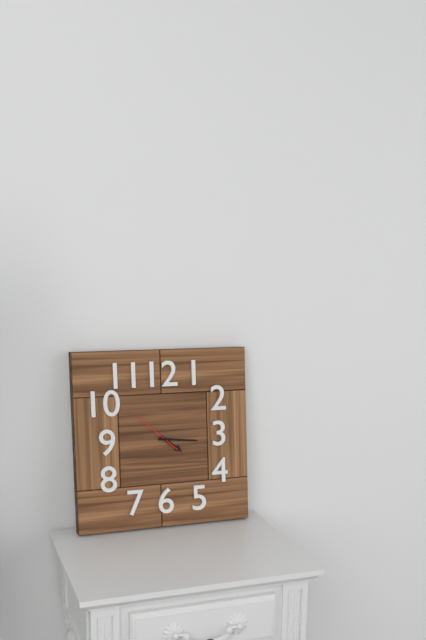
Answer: 4.16.52
